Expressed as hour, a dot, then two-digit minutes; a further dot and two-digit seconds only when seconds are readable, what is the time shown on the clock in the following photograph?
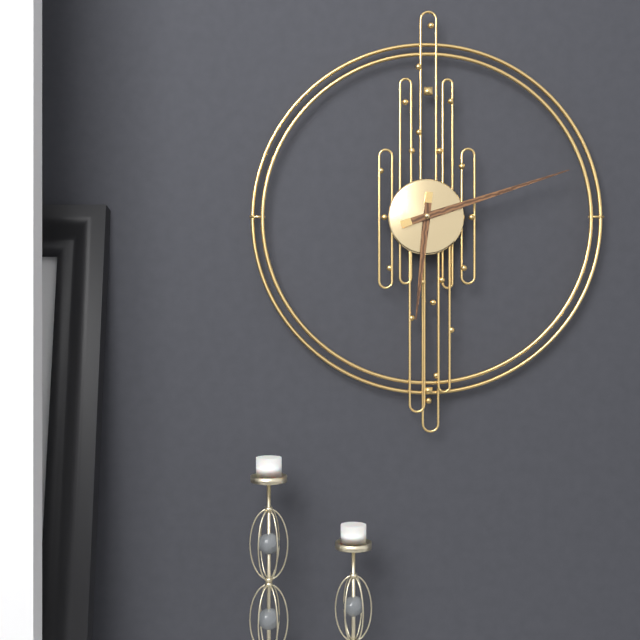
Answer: 6.12
